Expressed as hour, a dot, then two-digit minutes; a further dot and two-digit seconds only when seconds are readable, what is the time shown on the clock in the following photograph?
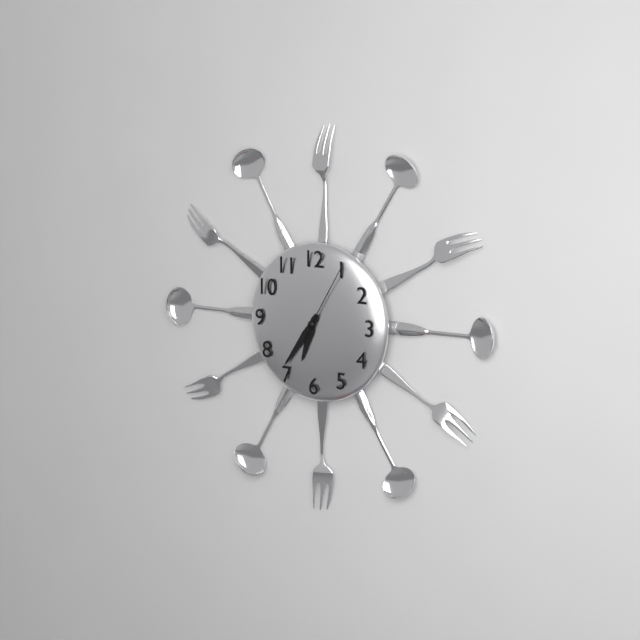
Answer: 6.36.05
